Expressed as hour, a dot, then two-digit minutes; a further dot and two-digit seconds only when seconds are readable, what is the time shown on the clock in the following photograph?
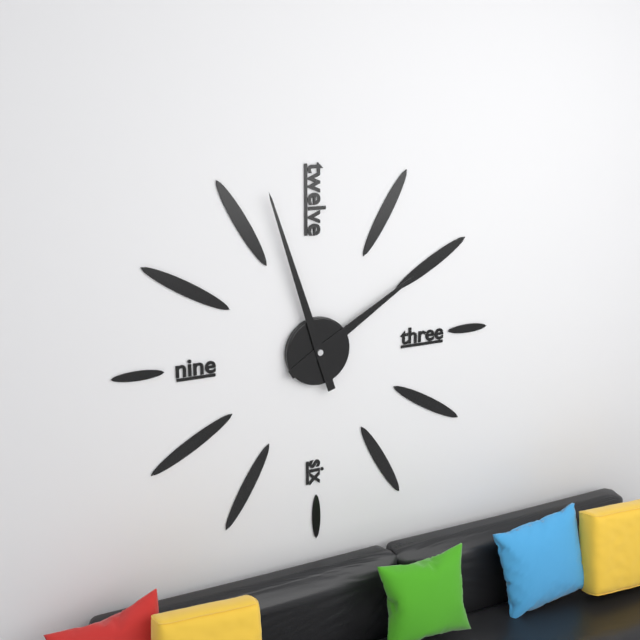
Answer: 1.57
